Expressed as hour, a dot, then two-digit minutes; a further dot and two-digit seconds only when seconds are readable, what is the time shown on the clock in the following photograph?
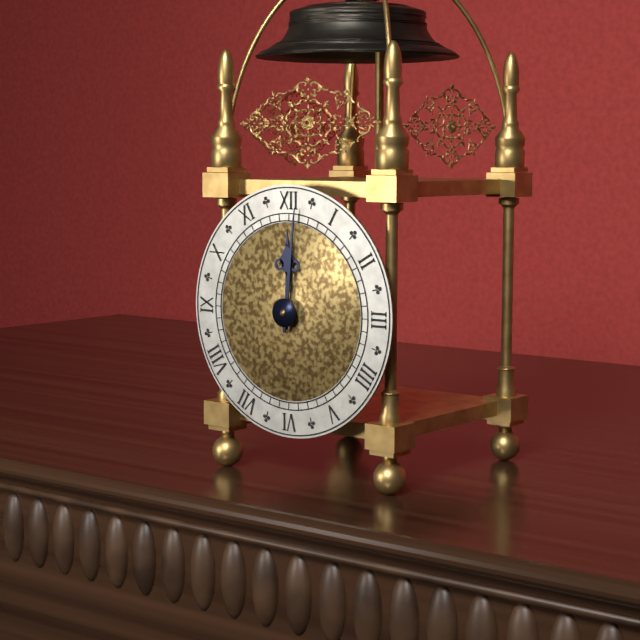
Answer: 12.01
